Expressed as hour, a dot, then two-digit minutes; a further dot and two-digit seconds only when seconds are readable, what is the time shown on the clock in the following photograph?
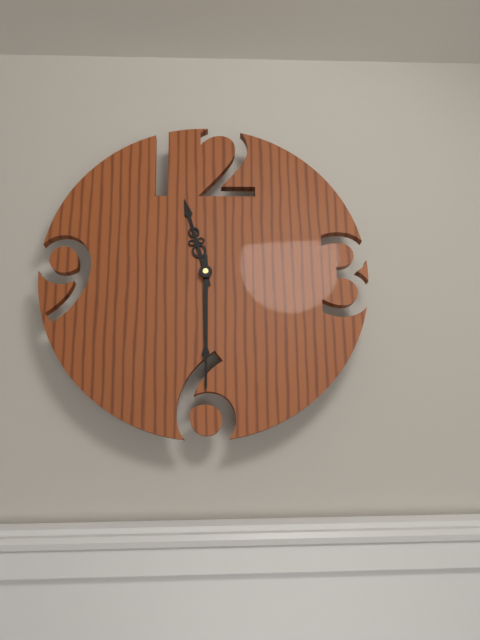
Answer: 11.30
